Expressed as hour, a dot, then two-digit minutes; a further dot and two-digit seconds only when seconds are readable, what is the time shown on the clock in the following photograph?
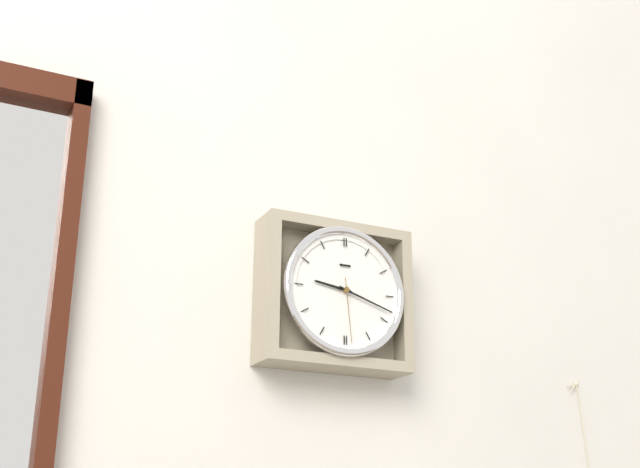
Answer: 9.18.29
